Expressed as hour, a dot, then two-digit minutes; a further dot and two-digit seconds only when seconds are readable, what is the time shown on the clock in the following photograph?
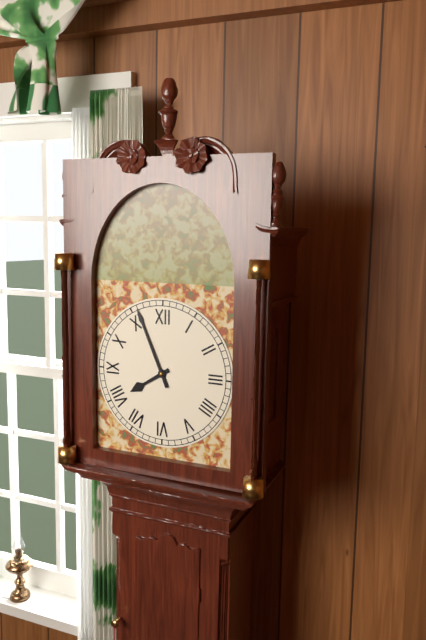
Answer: 7.56
